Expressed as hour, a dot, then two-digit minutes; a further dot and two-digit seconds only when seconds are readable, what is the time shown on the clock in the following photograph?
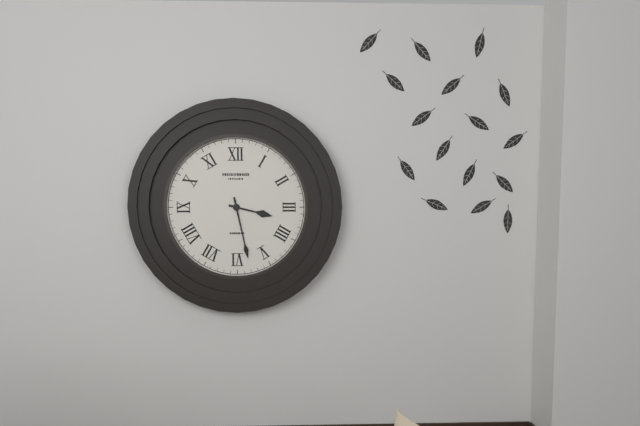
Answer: 3.28
